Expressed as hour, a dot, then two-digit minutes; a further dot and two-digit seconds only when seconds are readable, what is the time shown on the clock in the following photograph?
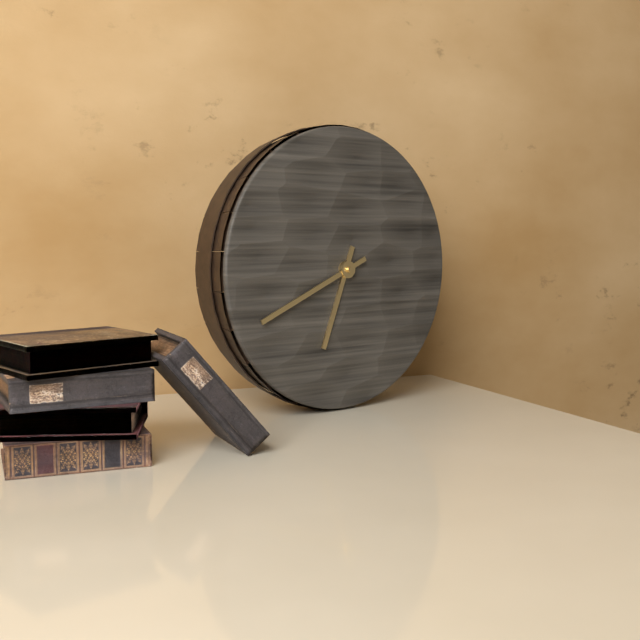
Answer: 6.41
